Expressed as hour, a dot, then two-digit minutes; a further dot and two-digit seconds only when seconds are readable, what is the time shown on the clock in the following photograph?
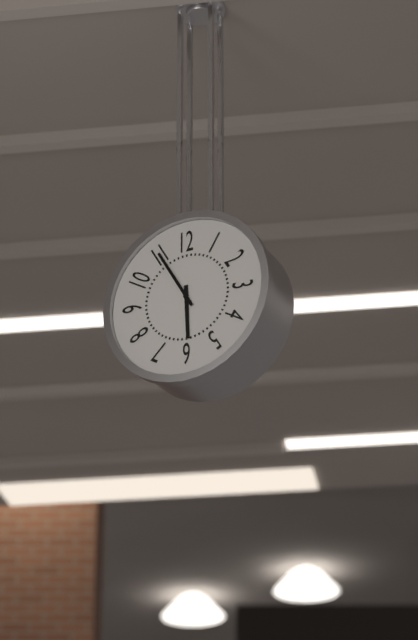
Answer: 5.55
